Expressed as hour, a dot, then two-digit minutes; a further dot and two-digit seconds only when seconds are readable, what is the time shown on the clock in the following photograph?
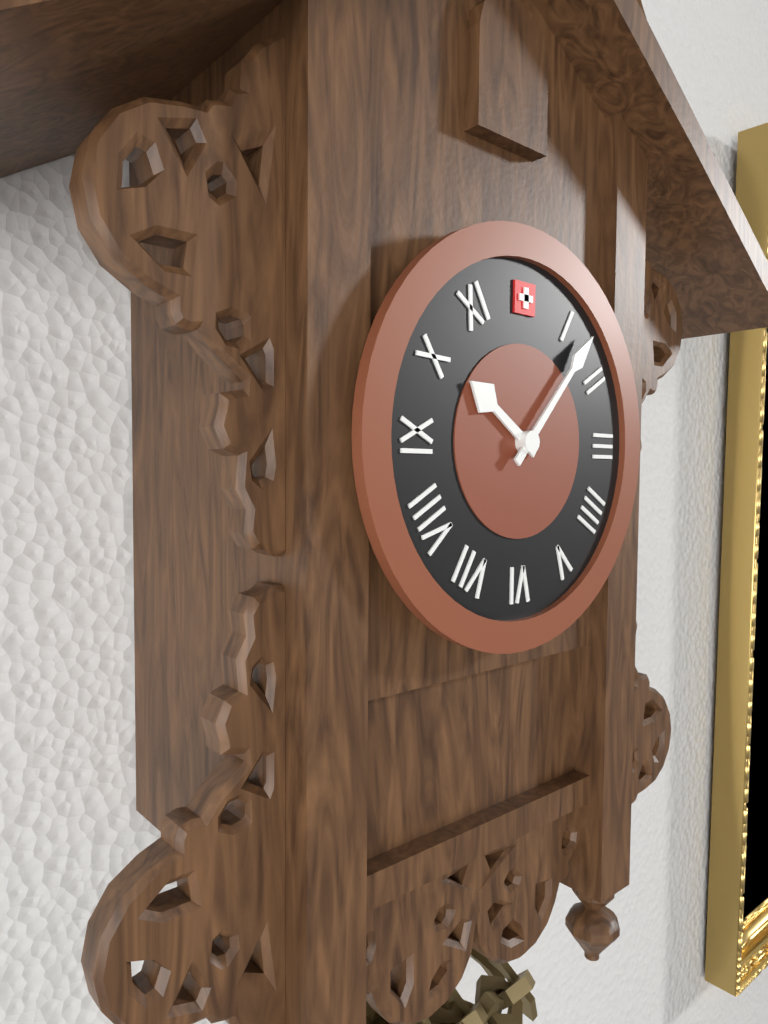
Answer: 10.07
